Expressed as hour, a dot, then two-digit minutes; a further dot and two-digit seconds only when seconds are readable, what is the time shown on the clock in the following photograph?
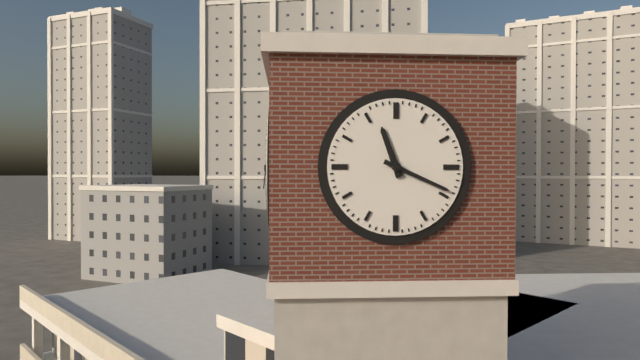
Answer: 11.19
